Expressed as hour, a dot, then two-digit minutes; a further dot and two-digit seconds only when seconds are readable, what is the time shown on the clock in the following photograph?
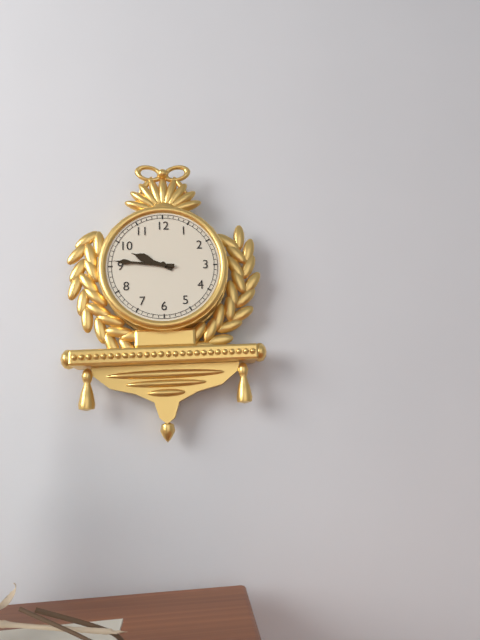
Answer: 9.46
